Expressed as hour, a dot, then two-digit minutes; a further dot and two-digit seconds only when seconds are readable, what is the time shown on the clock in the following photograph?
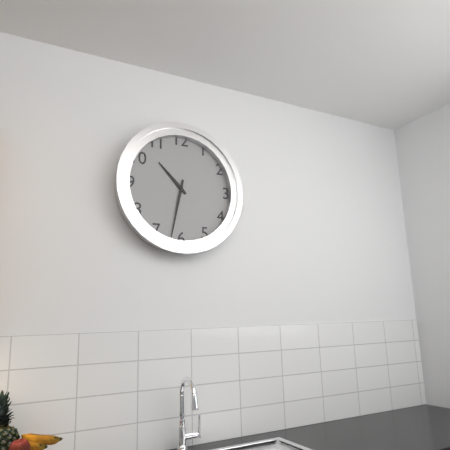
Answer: 10.32
